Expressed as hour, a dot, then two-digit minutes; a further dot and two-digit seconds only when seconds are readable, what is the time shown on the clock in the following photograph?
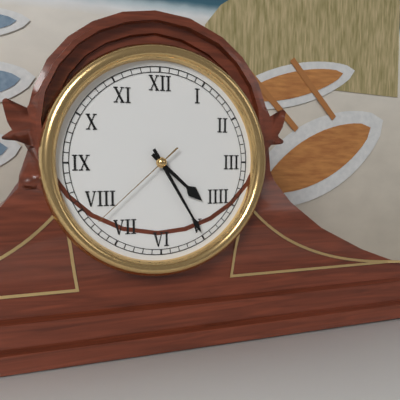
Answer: 4.25.38
